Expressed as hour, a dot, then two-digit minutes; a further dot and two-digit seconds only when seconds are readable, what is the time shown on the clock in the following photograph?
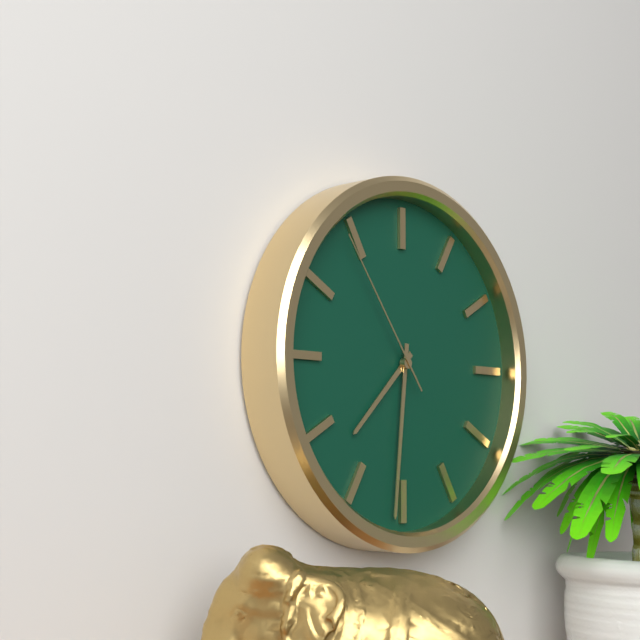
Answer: 7.31.54
